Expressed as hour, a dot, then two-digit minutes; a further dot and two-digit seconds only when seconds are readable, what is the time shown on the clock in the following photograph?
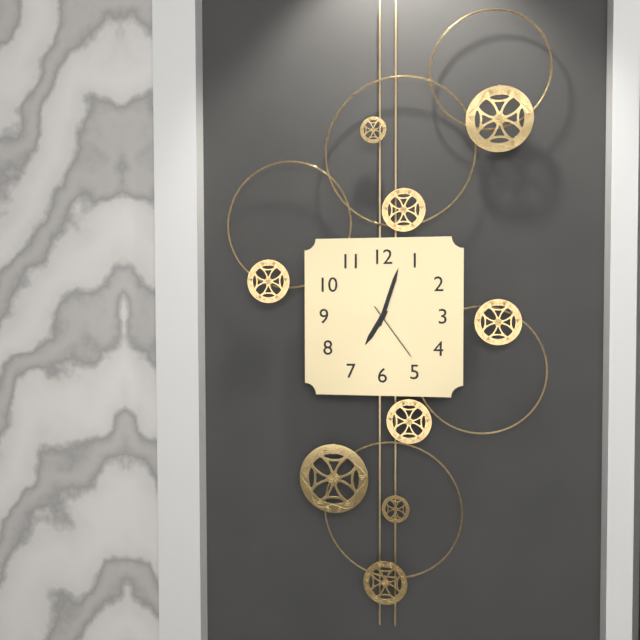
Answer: 7.03.24
